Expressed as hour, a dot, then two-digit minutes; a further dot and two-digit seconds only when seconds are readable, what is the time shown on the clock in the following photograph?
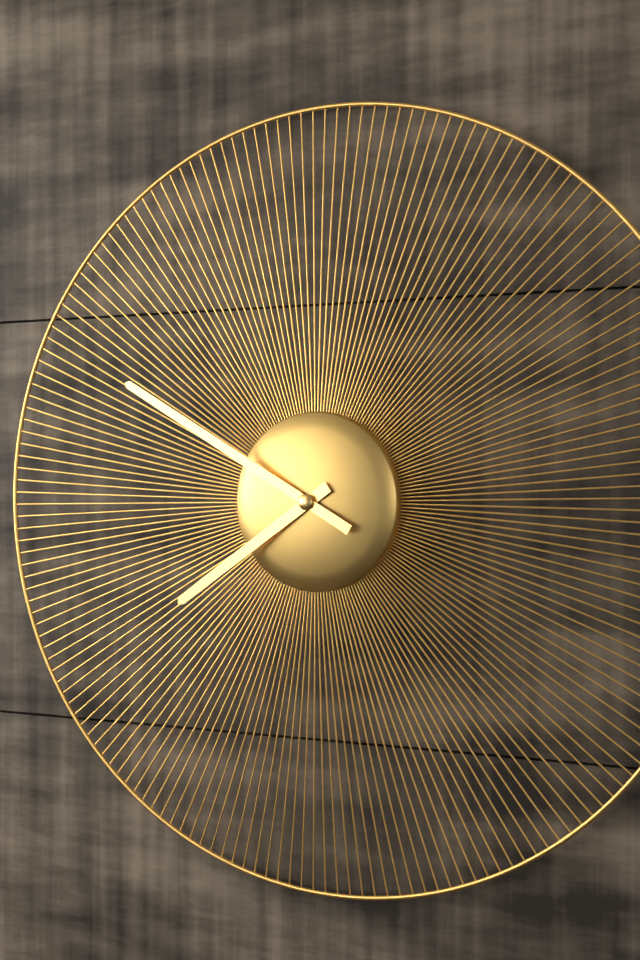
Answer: 7.50
